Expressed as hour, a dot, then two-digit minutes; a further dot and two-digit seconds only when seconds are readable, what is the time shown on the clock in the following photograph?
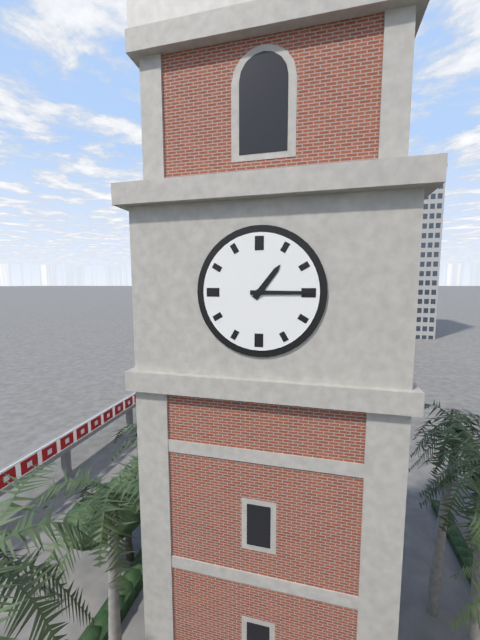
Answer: 1.15
